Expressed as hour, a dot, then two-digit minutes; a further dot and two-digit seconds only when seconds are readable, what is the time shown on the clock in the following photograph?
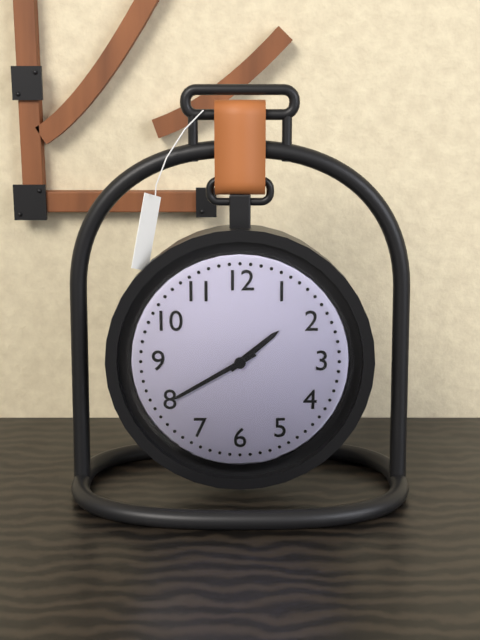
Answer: 1.40
